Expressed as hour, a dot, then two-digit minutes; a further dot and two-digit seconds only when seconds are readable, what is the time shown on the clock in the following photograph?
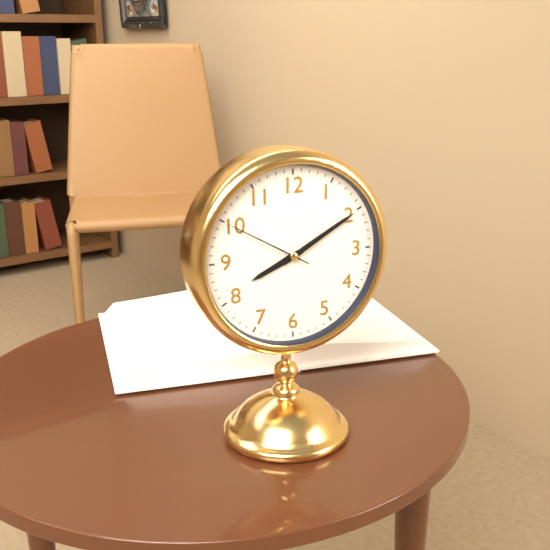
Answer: 8.10.50
